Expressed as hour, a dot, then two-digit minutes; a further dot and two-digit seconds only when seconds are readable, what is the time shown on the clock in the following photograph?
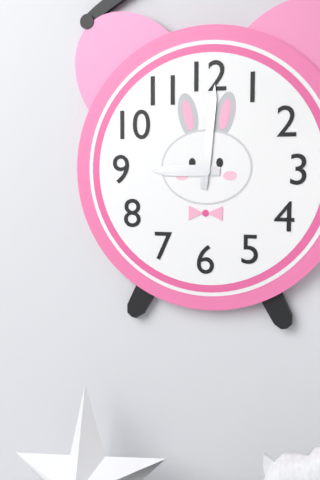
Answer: 9.01
